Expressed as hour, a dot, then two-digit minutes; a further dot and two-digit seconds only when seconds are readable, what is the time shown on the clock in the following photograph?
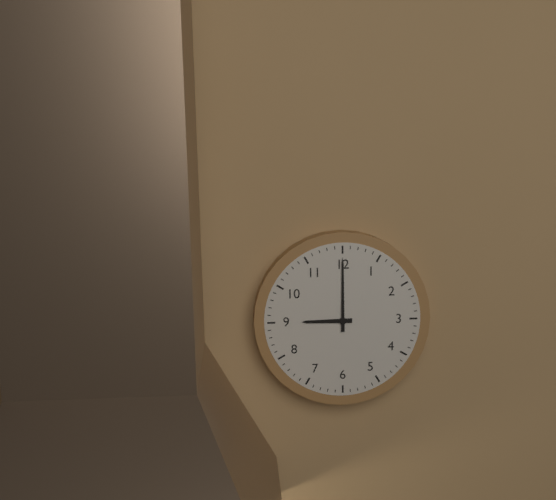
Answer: 9.00
